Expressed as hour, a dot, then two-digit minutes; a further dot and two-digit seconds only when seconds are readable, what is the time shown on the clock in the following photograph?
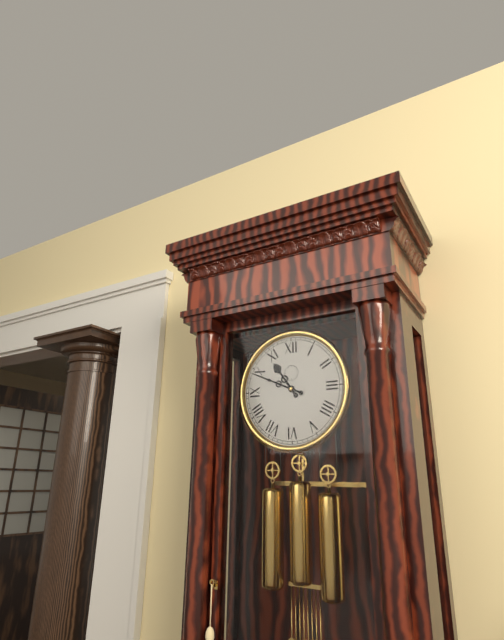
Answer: 10.49
